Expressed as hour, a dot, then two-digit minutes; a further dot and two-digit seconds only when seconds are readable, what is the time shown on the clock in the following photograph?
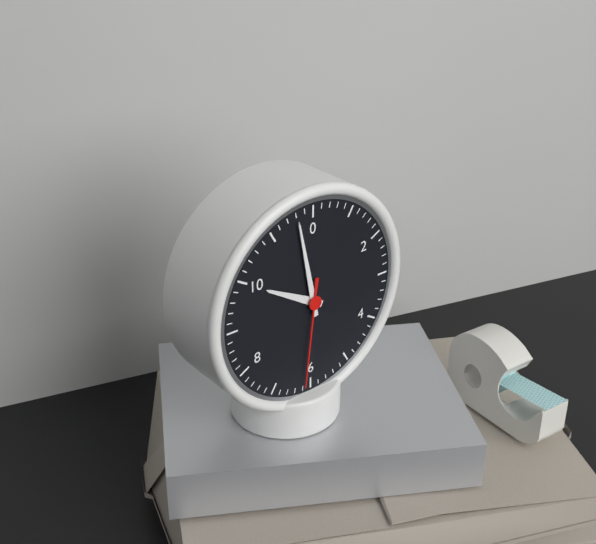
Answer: 9.58.31
